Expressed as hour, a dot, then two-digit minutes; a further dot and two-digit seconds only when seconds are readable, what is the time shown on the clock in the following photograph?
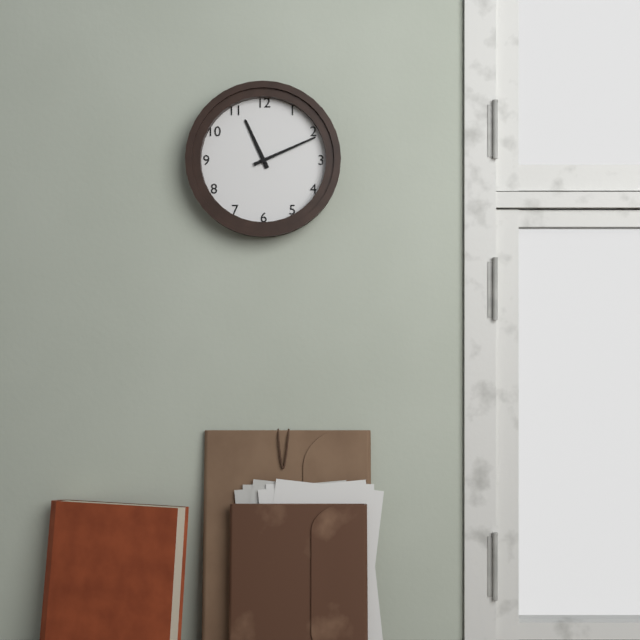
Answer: 11.11
